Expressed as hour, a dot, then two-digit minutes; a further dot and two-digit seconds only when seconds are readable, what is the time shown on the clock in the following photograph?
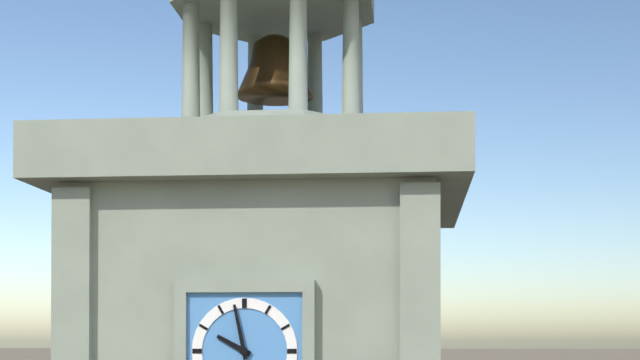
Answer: 9.58
